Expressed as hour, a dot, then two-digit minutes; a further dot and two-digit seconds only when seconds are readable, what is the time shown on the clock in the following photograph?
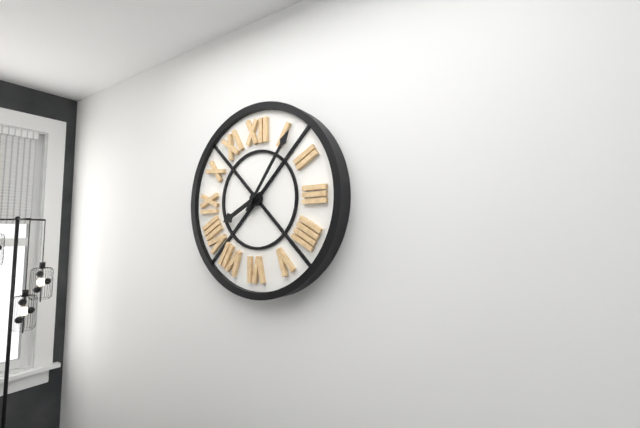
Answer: 8.06
